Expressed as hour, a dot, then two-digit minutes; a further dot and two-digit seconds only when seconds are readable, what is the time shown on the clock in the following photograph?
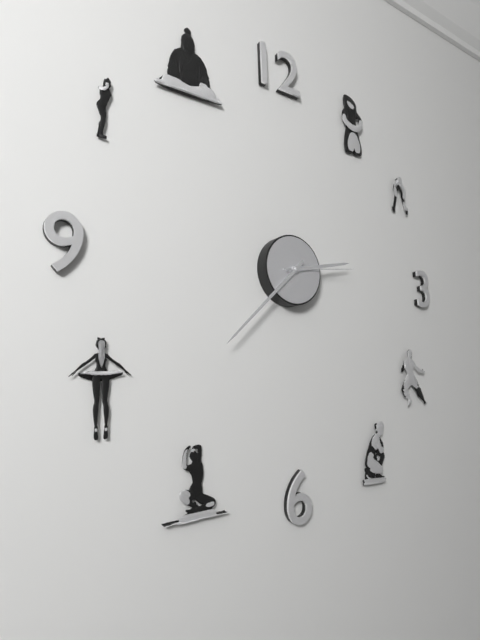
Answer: 2.38.14
